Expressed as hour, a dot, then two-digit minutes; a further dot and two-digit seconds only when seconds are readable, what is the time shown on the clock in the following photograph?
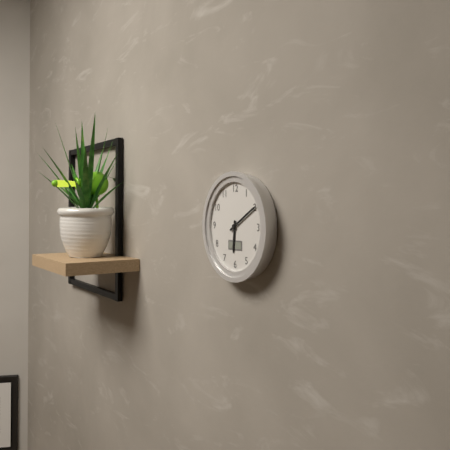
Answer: 6.10
